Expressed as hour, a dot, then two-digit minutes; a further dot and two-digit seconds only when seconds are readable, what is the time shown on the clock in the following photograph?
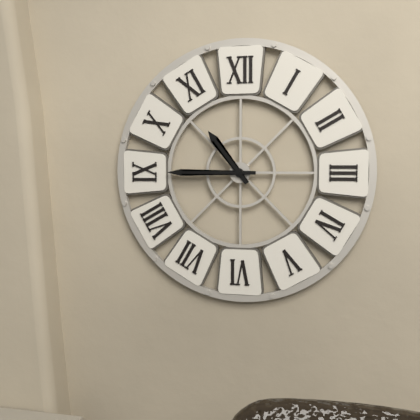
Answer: 10.45
